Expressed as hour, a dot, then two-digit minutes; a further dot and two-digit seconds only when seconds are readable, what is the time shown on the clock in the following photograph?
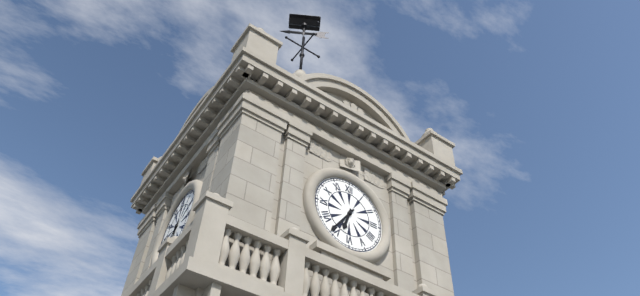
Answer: 6.36
